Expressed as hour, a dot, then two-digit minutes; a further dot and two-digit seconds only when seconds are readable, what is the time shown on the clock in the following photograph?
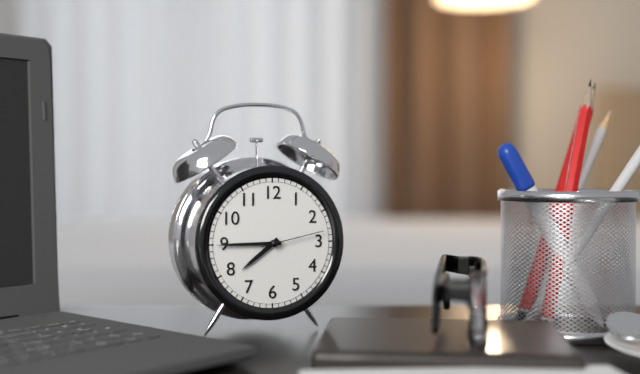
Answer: 7.45.13
